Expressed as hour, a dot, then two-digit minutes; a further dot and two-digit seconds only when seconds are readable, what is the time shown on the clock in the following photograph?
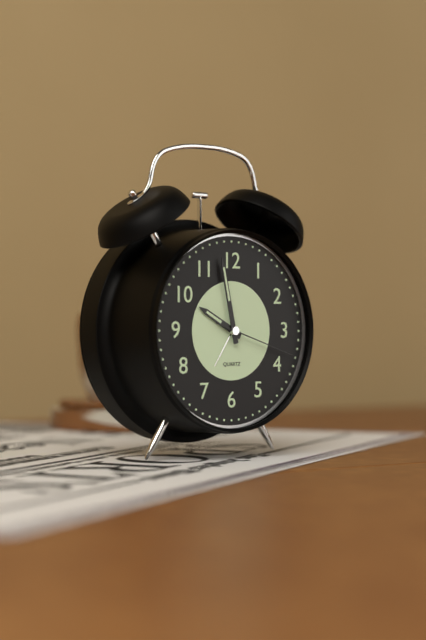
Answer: 9.58.18
